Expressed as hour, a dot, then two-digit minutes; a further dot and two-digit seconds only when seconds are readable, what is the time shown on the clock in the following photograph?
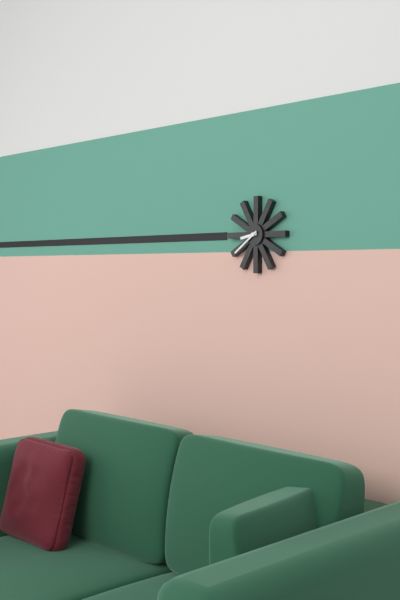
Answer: 8.39
